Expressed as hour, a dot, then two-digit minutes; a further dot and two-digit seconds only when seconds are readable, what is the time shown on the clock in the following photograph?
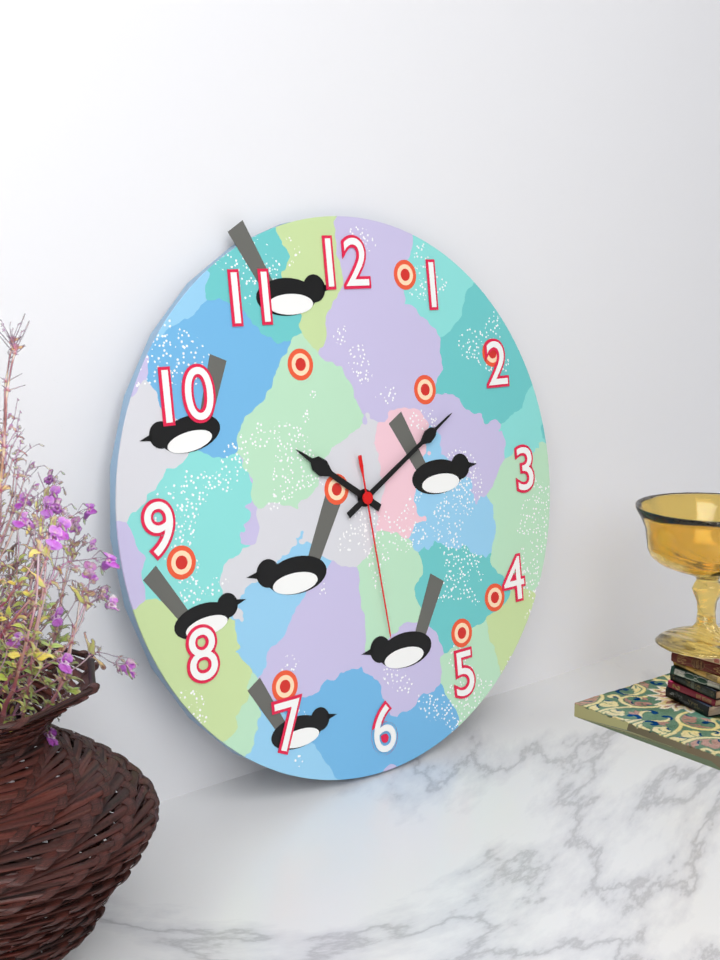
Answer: 10.10.29
